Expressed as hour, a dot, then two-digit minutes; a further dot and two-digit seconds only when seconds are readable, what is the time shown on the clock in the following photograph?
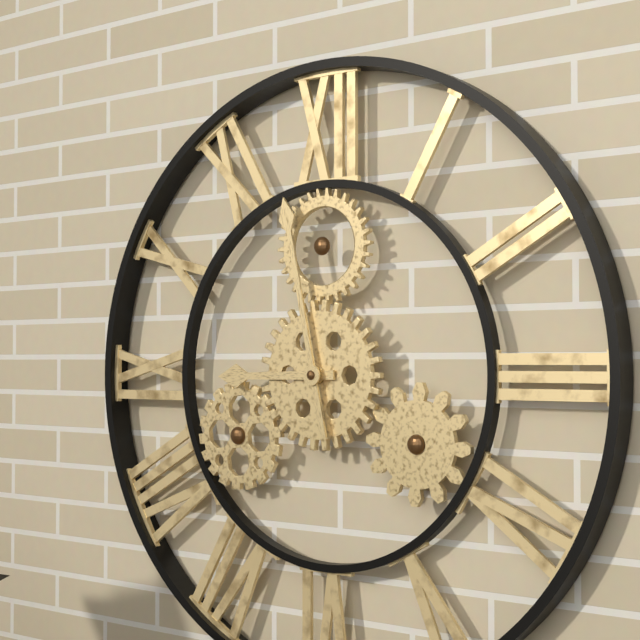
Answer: 8.58
